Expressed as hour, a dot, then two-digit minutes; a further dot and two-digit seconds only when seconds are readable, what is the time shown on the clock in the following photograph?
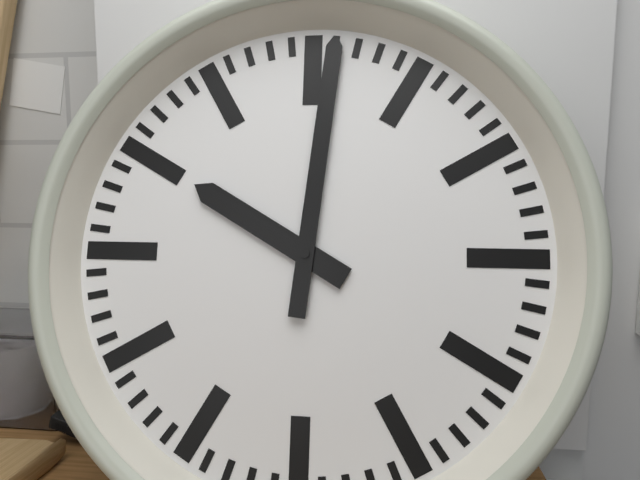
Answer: 10.01
